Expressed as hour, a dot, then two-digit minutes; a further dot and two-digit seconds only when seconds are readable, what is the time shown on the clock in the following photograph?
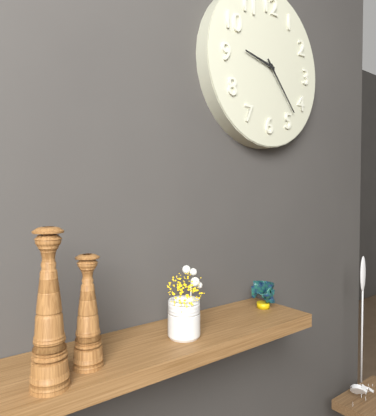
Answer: 9.23
